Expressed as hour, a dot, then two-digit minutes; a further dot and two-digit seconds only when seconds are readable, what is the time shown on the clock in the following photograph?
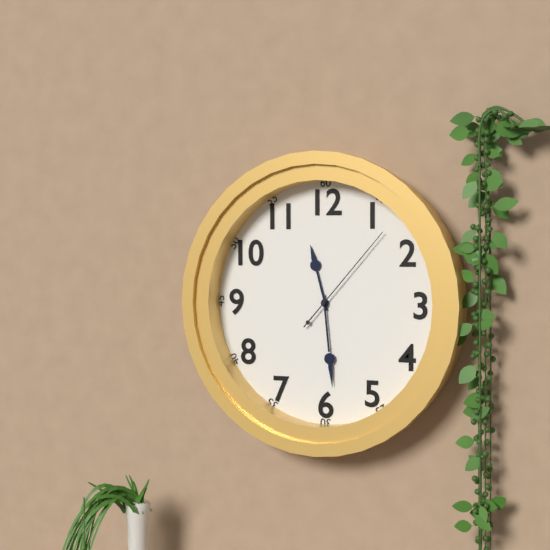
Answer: 11.29.07
